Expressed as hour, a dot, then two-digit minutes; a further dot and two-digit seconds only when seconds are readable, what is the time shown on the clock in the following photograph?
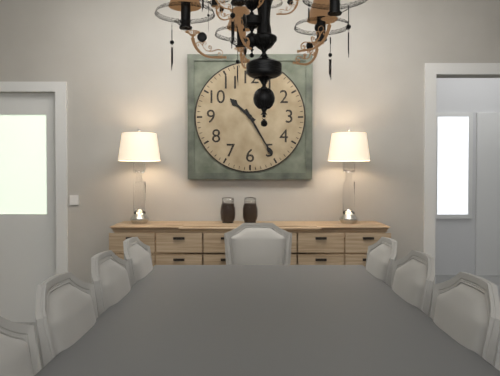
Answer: 10.25
